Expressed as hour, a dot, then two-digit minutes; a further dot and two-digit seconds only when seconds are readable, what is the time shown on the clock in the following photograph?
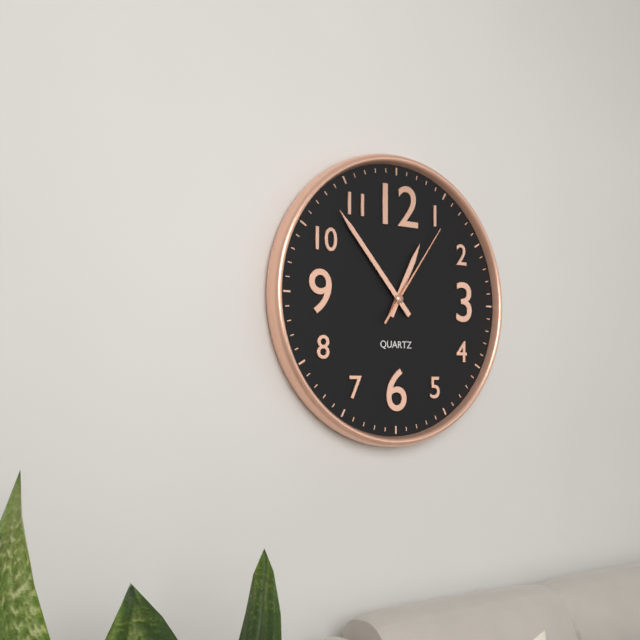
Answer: 12.53.06
